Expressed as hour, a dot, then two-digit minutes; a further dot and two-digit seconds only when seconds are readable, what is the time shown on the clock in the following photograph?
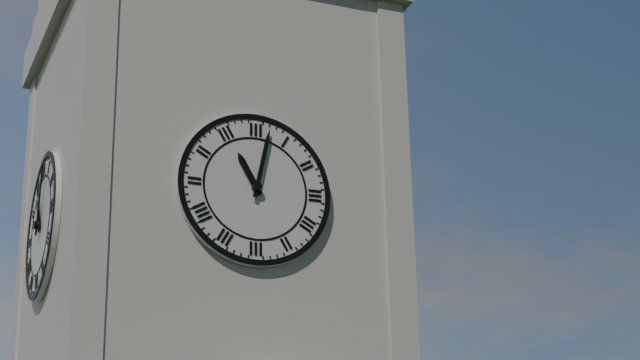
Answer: 11.02
